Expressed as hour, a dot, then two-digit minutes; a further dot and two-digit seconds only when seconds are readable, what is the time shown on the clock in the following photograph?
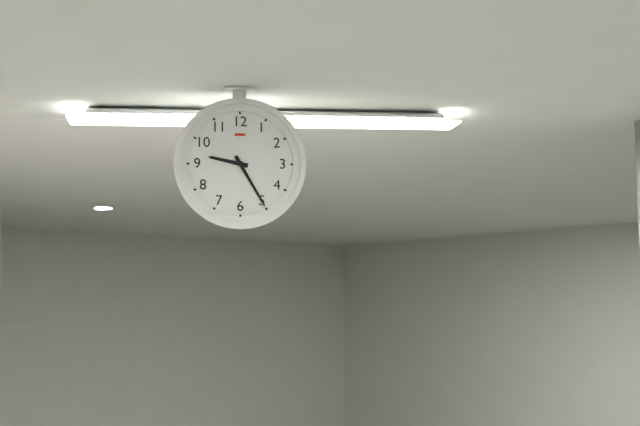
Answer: 9.25
